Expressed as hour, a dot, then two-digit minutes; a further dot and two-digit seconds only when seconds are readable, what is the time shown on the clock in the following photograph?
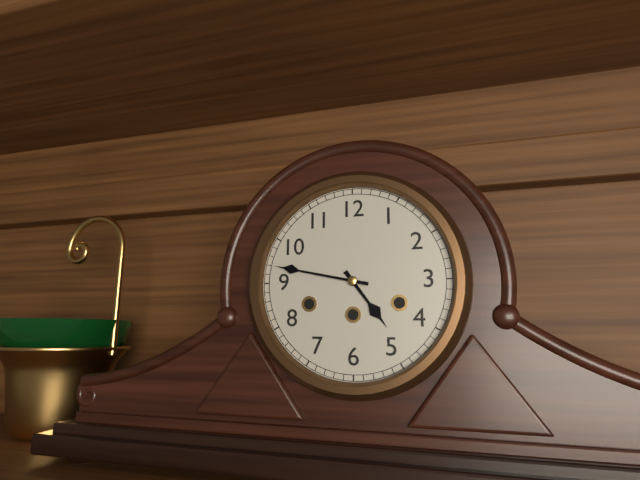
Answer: 4.47
